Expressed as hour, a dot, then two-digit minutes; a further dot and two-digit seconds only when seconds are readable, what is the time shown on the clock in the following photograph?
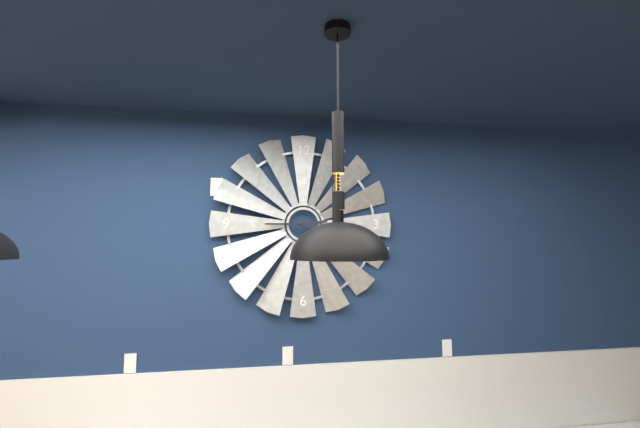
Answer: 2.45
